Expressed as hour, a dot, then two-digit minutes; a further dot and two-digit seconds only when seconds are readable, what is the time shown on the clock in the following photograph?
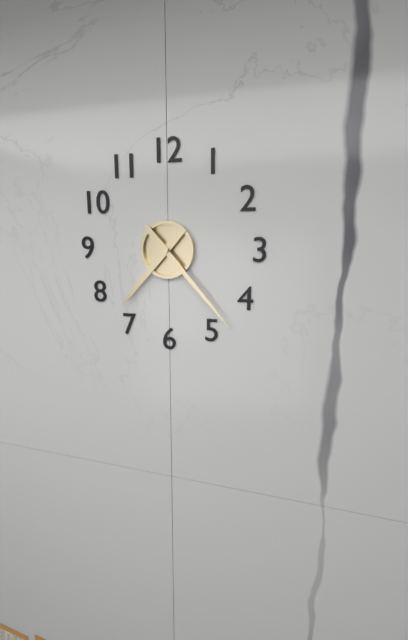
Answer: 7.23
